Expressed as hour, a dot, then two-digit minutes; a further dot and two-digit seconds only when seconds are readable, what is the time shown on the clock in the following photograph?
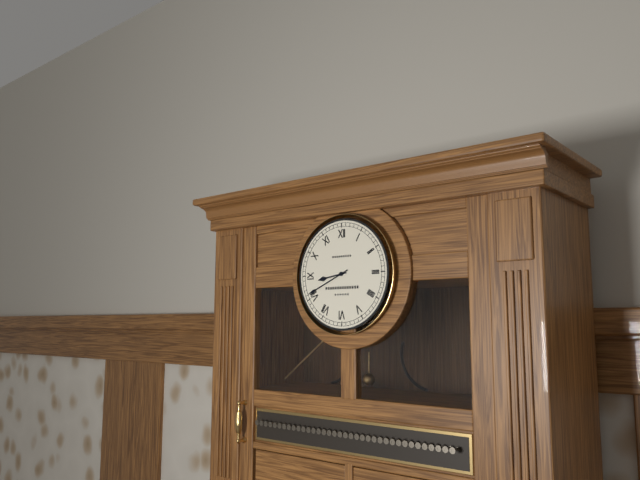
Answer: 8.41
